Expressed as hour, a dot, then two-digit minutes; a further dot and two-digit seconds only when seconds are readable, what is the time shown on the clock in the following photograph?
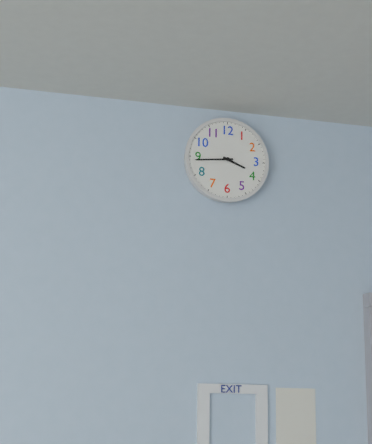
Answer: 3.44
